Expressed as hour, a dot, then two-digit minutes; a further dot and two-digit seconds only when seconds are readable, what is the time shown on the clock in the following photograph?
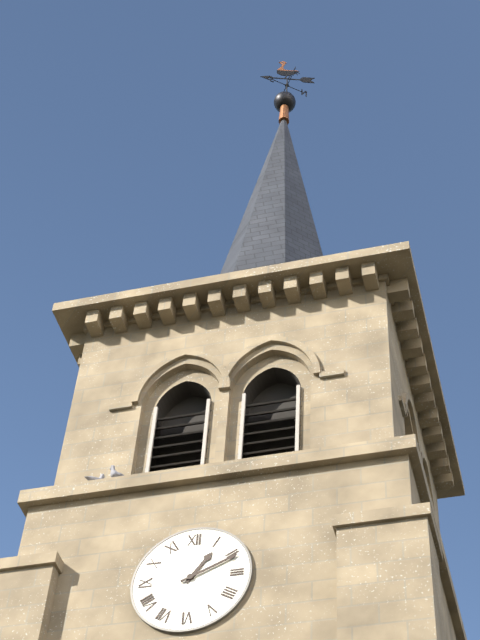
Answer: 1.11
